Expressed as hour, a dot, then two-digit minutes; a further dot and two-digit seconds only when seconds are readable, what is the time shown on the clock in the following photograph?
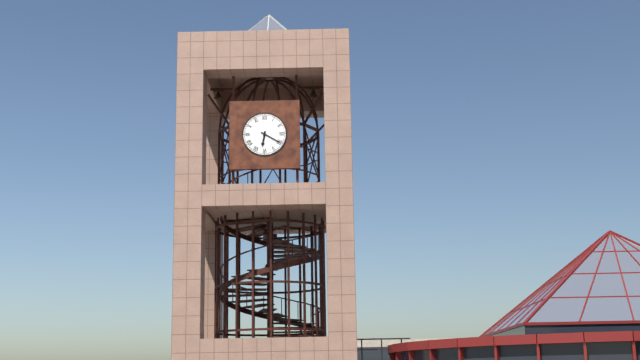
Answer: 6.20
